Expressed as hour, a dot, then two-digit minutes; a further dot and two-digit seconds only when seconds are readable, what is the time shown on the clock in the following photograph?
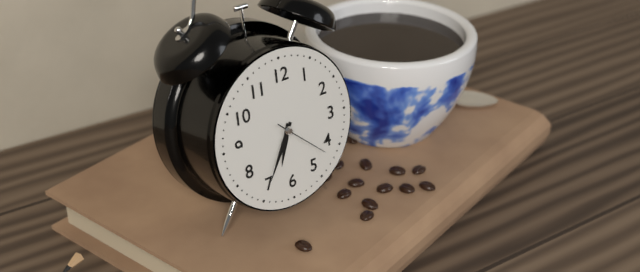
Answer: 6.35.22
